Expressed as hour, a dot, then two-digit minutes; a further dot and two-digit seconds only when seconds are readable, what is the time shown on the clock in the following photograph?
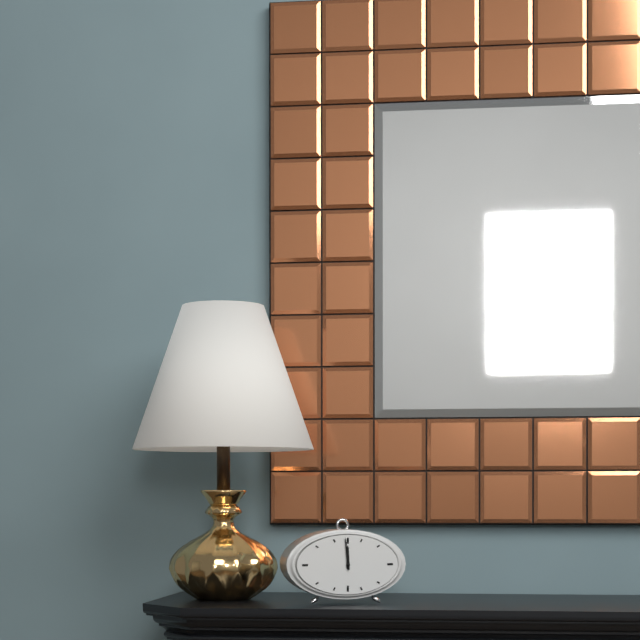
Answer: 11.59
